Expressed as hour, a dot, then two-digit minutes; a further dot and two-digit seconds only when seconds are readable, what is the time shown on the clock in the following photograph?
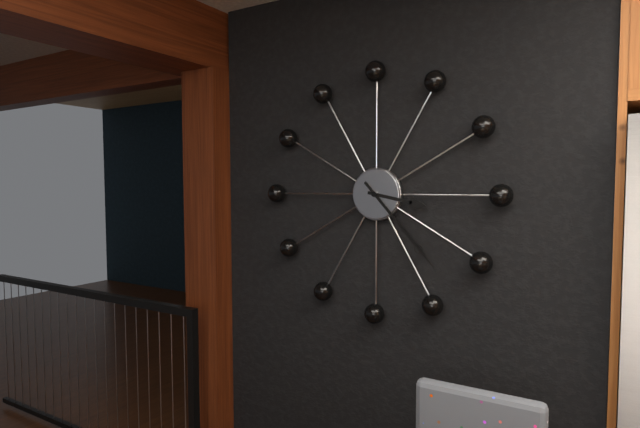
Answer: 3.23.23
